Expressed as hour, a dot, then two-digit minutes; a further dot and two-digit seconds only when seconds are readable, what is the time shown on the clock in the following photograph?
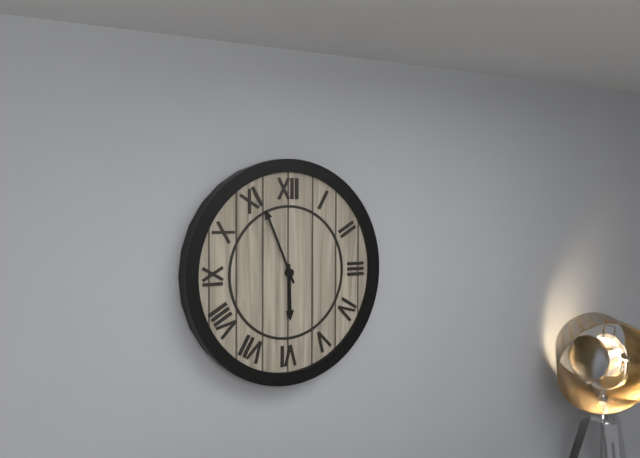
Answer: 5.56
